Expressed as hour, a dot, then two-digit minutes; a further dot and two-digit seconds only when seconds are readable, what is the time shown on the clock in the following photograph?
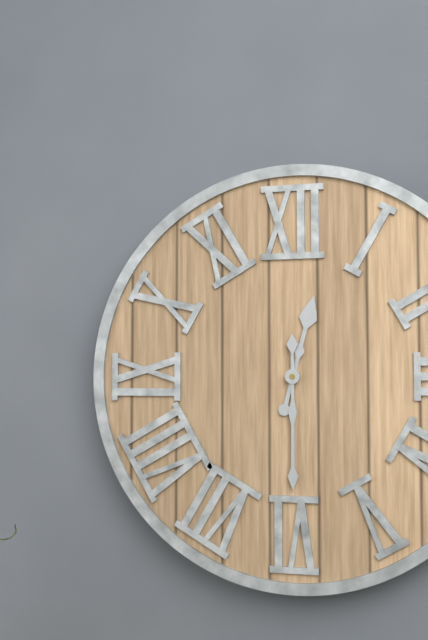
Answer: 12.30
